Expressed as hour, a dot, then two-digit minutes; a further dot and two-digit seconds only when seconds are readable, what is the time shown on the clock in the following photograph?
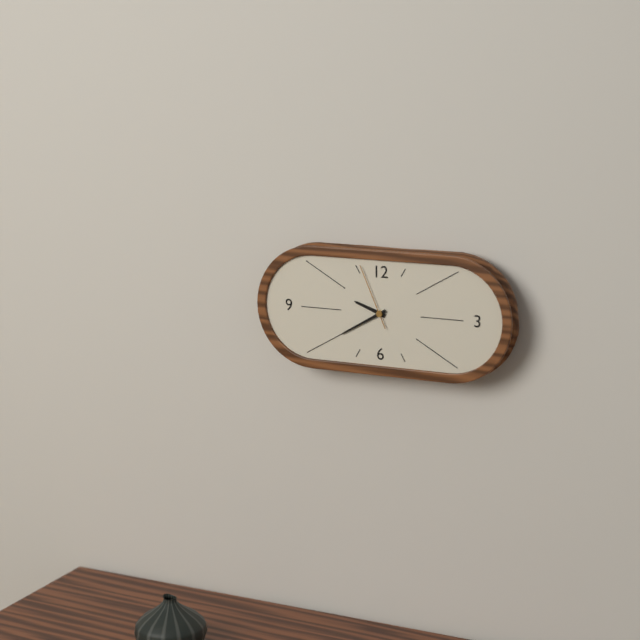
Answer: 9.40.56
